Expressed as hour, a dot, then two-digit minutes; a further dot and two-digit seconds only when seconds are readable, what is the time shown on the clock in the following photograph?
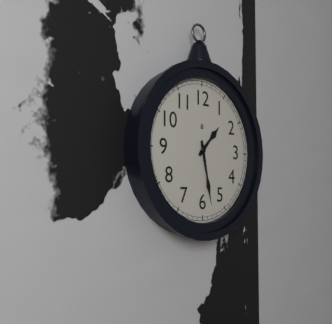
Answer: 1.28
